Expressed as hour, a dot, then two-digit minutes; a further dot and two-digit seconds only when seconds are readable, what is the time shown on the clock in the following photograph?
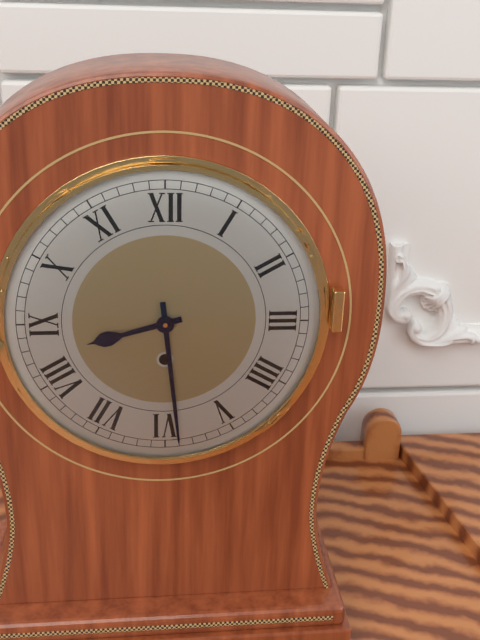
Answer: 8.29
